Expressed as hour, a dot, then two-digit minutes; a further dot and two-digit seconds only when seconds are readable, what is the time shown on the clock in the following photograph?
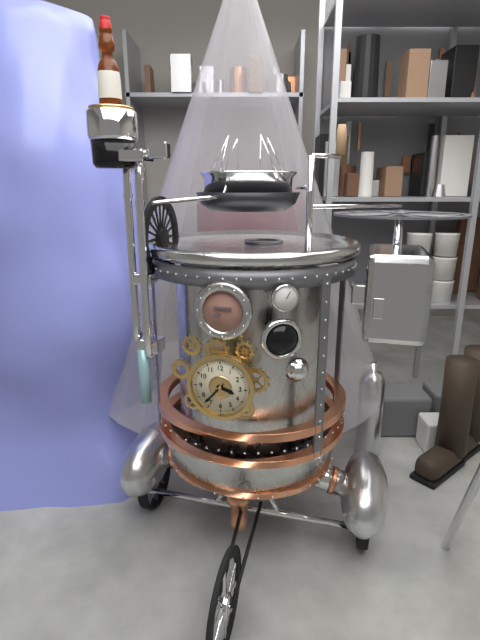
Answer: 3.37
